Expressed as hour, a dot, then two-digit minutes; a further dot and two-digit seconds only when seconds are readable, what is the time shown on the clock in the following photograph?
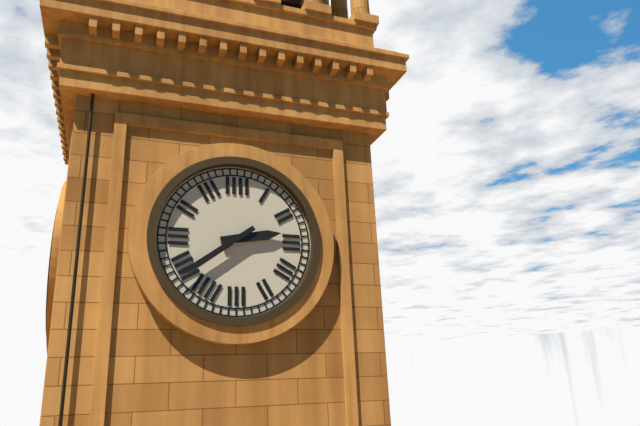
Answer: 2.39
